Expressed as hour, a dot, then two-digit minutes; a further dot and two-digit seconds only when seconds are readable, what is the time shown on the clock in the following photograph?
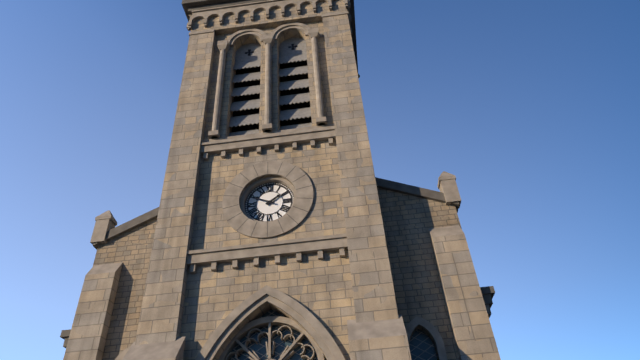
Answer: 1.49
